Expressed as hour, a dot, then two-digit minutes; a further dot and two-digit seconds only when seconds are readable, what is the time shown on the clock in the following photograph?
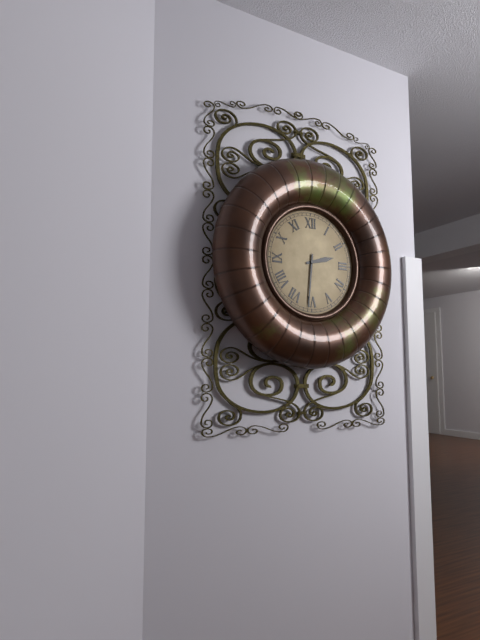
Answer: 2.31
